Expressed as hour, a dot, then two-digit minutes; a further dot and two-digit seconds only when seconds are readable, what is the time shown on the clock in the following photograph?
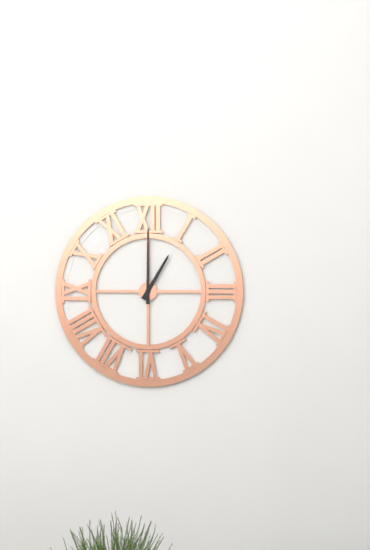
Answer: 1.00
